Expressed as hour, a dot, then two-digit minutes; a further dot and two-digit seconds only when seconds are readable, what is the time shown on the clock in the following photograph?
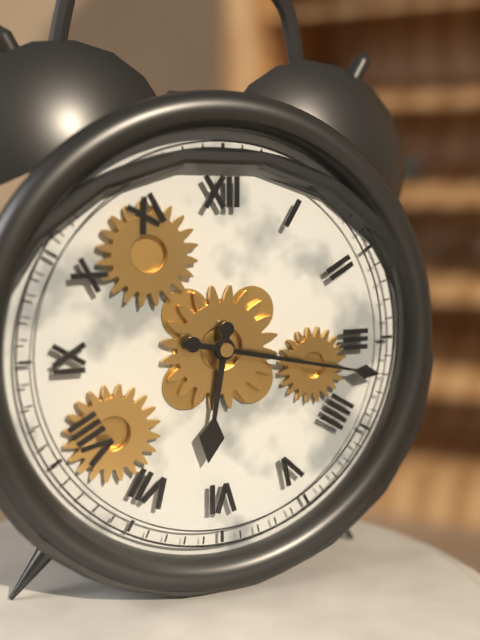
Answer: 6.17
